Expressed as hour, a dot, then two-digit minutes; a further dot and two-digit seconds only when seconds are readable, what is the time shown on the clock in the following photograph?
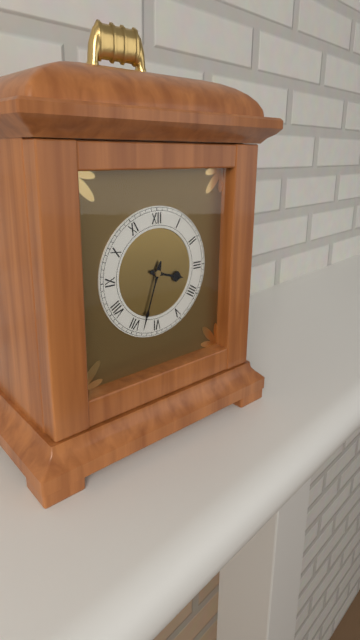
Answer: 3.33
